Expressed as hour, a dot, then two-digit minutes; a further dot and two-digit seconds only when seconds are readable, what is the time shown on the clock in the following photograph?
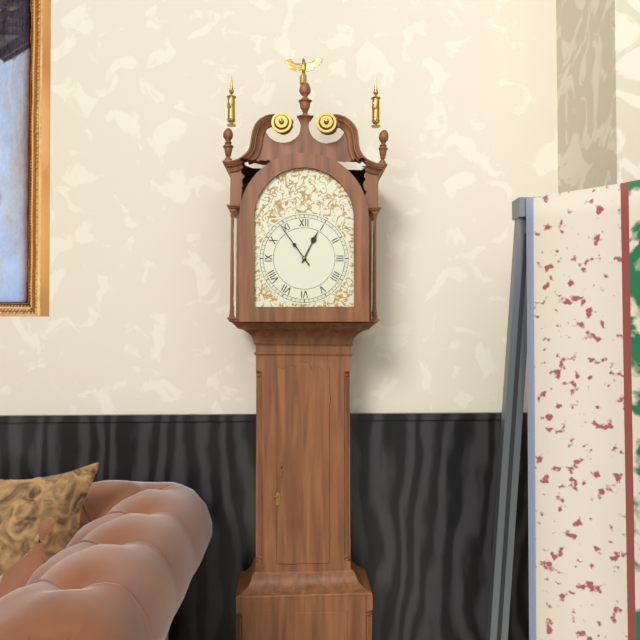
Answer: 12.54
